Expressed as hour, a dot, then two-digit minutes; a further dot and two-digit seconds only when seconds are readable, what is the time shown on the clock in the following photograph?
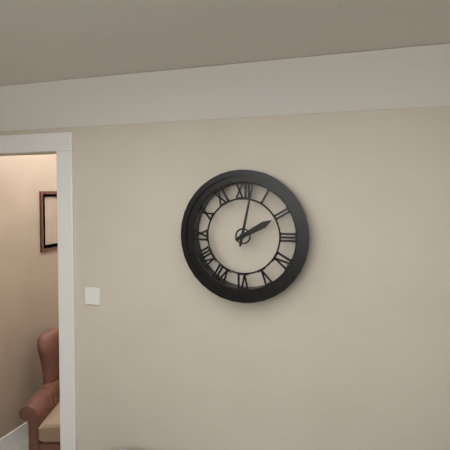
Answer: 2.02
